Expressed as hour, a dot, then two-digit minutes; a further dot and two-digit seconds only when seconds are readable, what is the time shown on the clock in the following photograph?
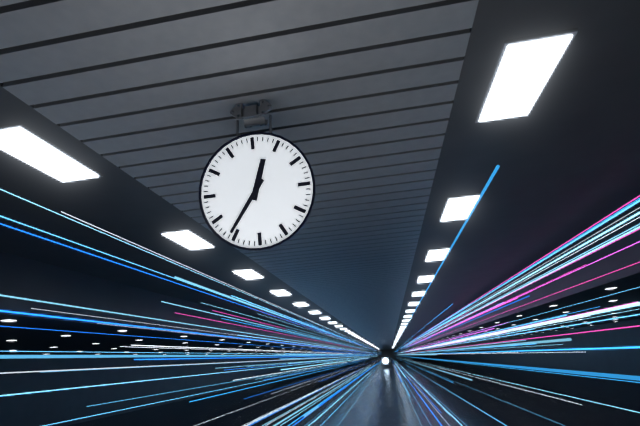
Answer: 12.36
